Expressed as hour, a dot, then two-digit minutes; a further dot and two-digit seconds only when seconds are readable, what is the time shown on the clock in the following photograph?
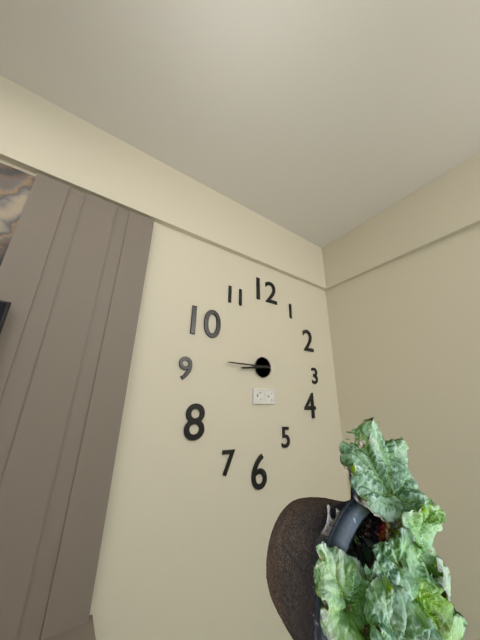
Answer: 8.45
